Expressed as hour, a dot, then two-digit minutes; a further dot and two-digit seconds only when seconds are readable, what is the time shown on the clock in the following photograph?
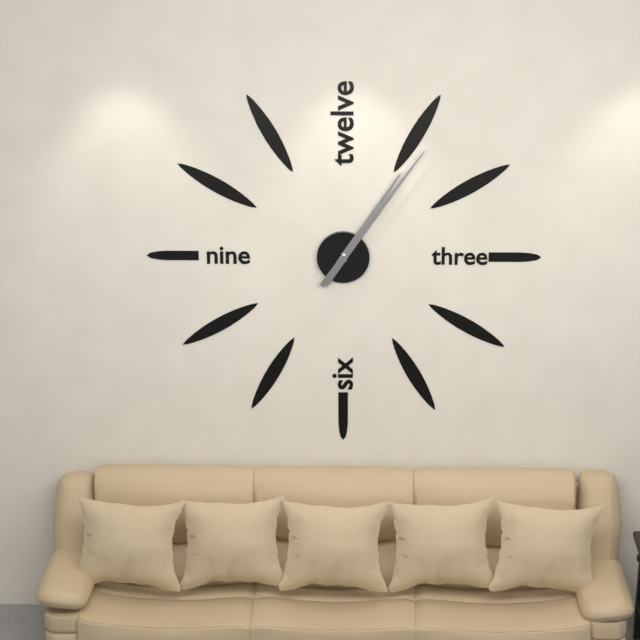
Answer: 1.06
